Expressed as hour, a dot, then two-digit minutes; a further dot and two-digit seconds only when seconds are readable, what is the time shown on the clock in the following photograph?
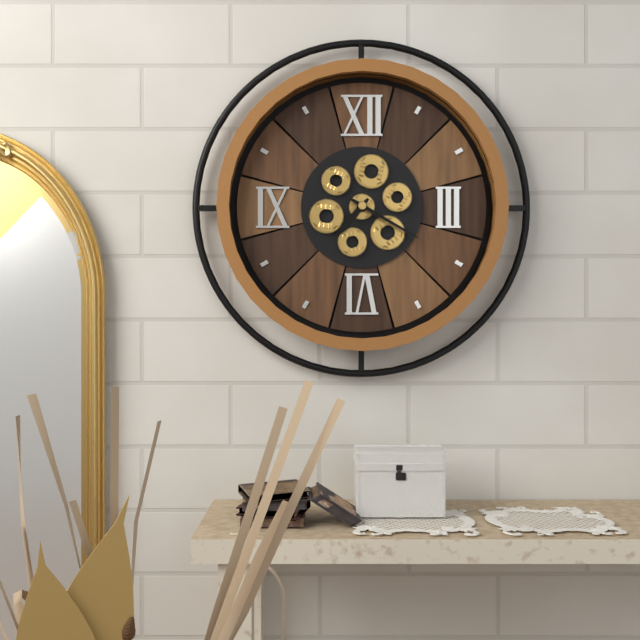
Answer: 7.20
